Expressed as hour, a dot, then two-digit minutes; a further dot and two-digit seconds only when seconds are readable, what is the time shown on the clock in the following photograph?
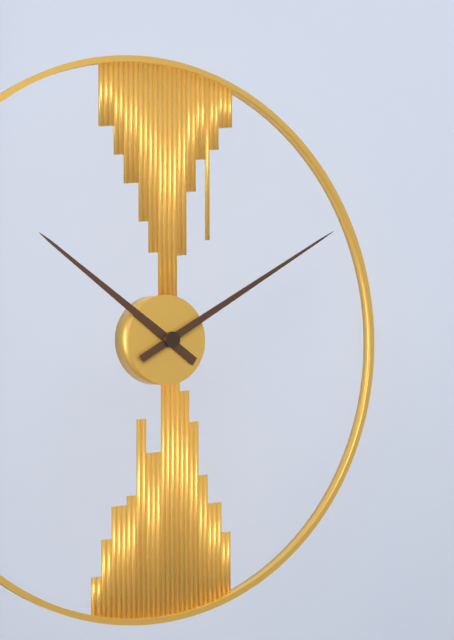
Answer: 10.10
